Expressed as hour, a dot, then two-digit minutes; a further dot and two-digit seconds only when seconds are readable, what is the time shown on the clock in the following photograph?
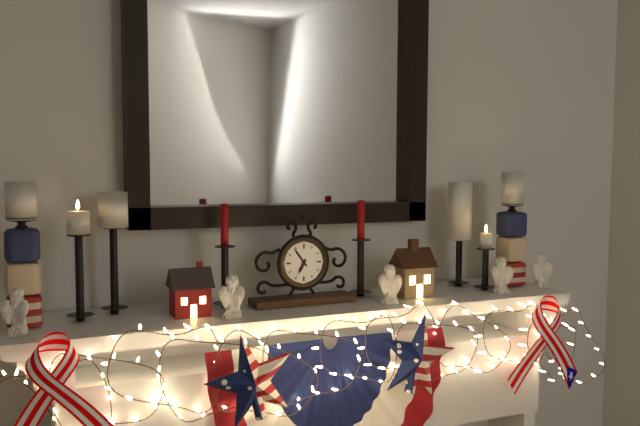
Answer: 6.54
